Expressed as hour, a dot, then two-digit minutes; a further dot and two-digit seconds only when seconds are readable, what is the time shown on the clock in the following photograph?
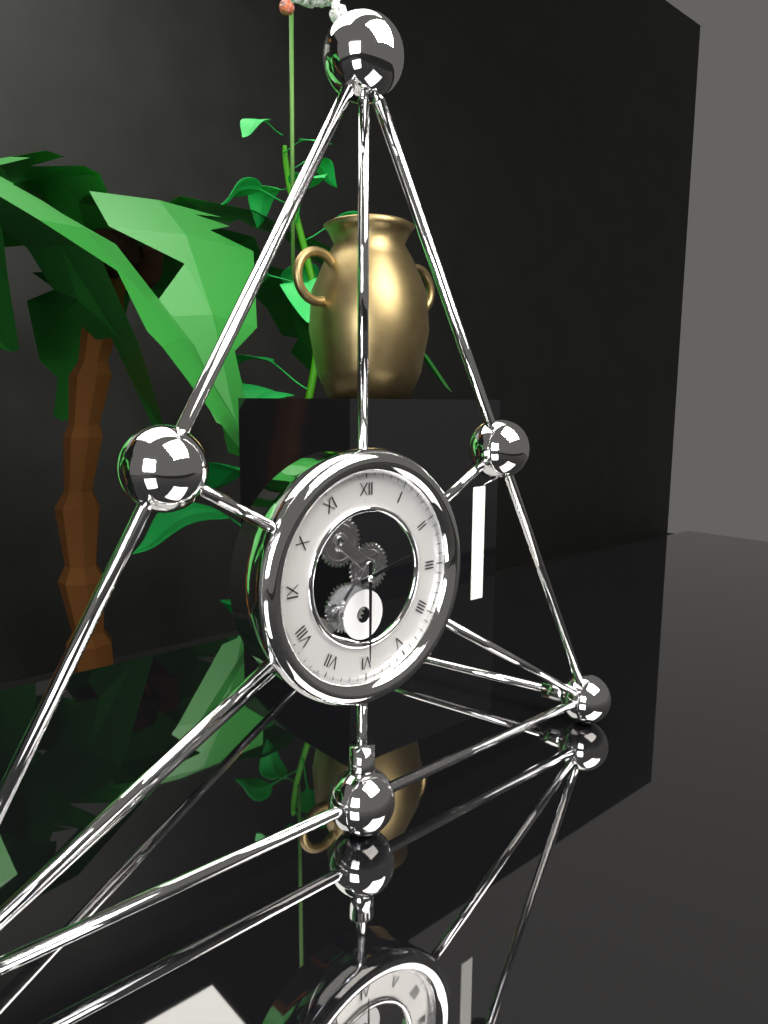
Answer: 2.30
